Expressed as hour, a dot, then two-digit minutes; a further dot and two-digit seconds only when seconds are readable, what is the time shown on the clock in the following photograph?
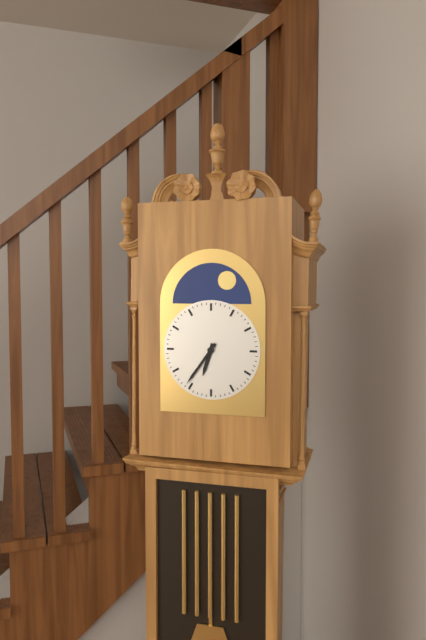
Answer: 6.36
